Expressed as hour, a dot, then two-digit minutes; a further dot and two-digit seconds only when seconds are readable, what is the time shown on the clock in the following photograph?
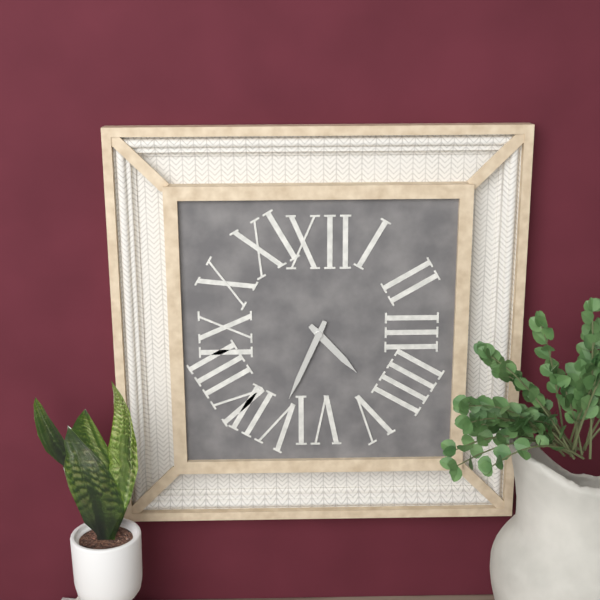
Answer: 4.34
